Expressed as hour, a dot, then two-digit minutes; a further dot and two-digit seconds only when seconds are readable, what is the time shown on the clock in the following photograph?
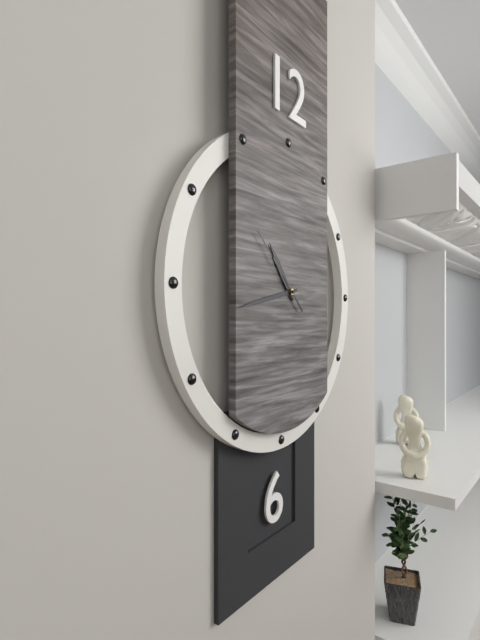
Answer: 10.43.52
